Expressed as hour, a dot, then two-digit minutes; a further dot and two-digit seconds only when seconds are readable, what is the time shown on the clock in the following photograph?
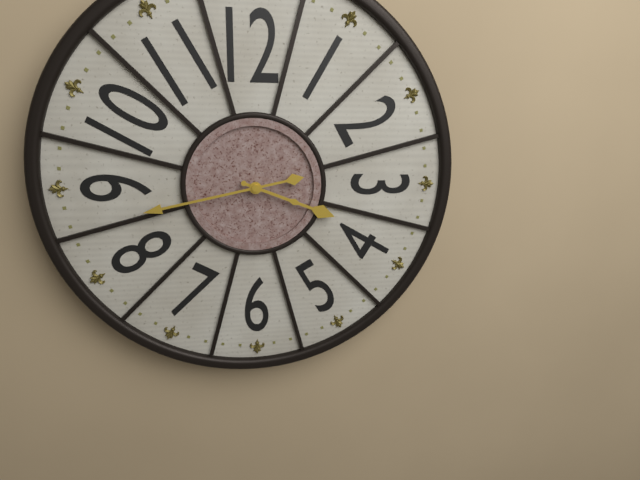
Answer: 3.43
